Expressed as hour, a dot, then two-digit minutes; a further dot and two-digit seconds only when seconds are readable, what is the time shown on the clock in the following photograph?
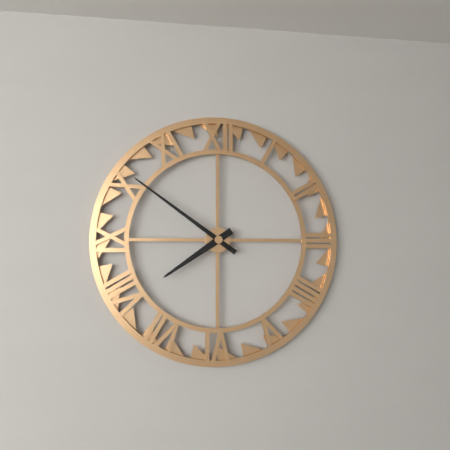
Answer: 7.51
